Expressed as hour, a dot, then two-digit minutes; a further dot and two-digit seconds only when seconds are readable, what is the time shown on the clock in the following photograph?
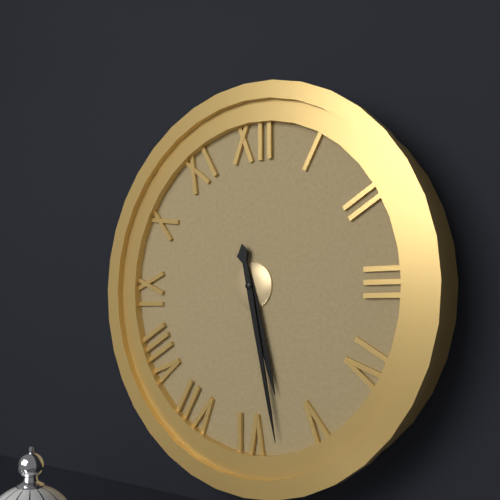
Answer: 5.28
